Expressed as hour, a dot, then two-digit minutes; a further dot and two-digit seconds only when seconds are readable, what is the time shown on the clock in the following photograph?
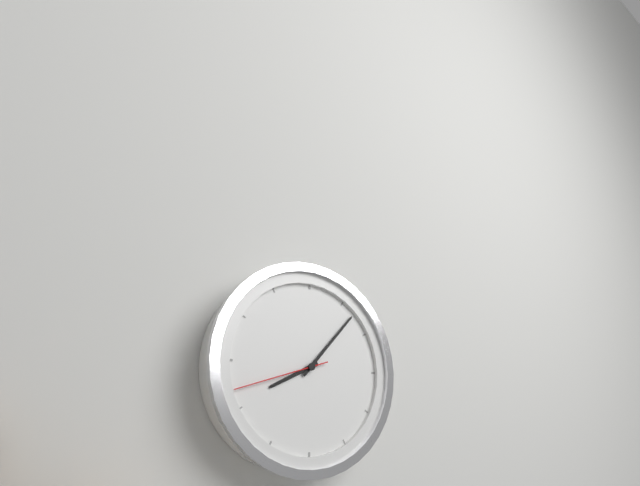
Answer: 8.07.42
